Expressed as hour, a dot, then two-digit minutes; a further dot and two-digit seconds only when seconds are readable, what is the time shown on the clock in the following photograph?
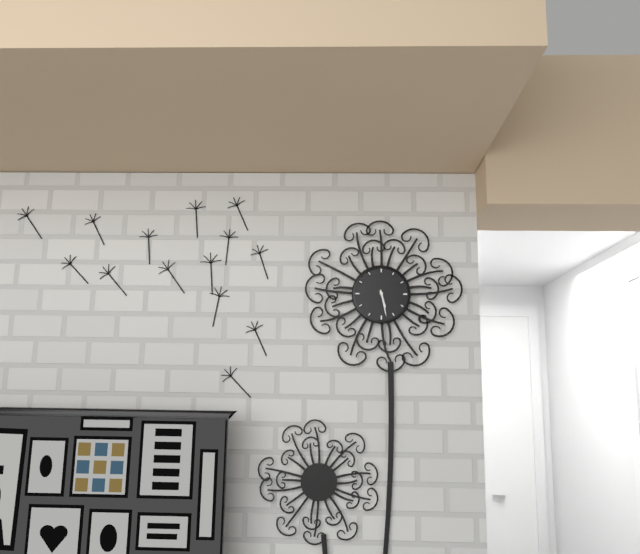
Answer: 5.28
